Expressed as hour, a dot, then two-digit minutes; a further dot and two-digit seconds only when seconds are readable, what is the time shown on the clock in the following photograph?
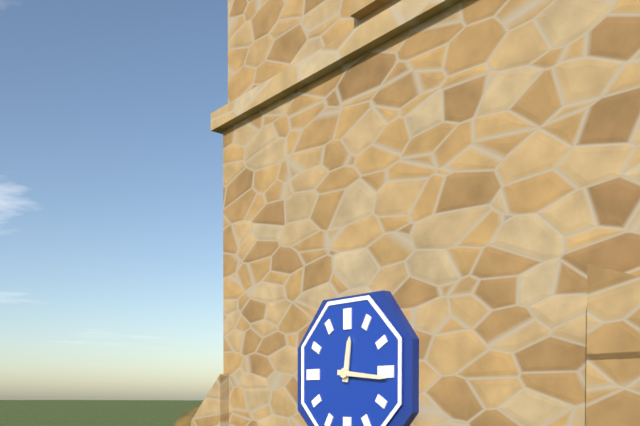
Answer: 12.16
